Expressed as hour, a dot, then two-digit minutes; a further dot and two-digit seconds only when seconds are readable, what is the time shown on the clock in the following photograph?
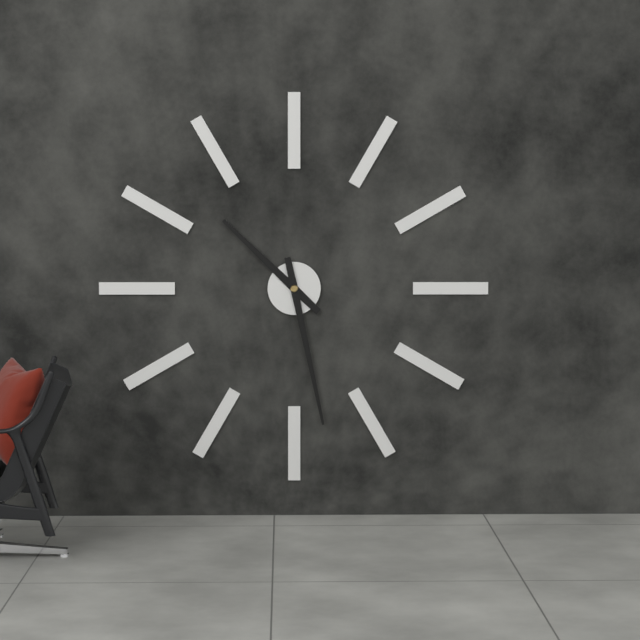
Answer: 10.28
